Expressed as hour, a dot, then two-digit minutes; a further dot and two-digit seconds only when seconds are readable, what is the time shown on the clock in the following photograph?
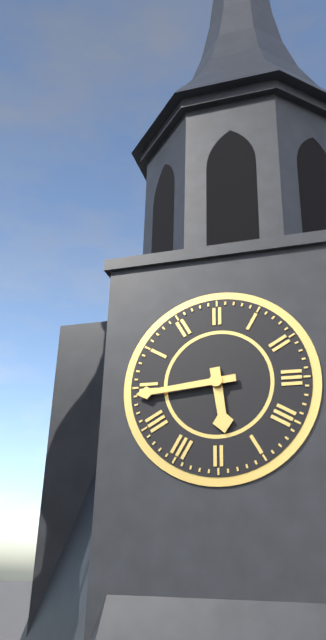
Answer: 5.44
